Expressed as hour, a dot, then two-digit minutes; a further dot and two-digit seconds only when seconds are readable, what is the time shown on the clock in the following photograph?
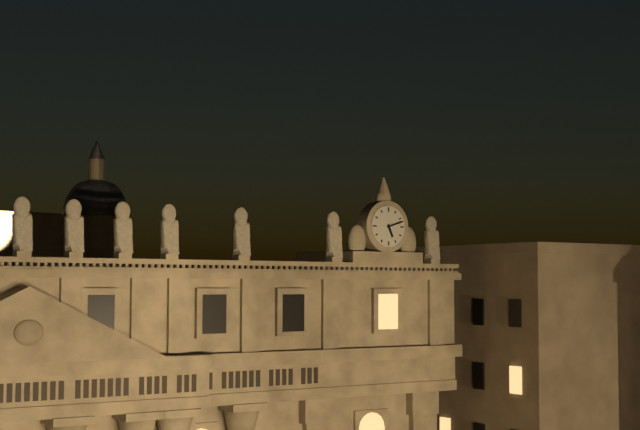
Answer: 5.12
